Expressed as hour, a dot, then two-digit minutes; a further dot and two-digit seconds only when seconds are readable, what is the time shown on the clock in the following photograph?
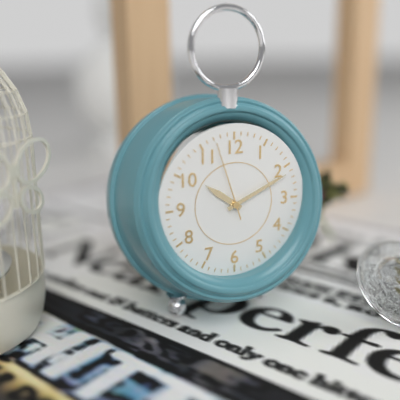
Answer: 10.11.57
